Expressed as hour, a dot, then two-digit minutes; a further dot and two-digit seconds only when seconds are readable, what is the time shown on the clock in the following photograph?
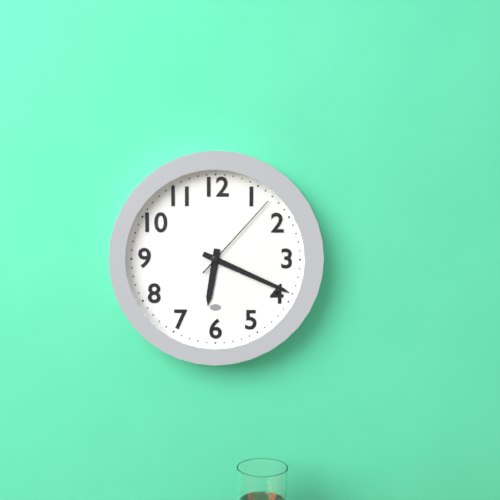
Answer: 6.19.07
